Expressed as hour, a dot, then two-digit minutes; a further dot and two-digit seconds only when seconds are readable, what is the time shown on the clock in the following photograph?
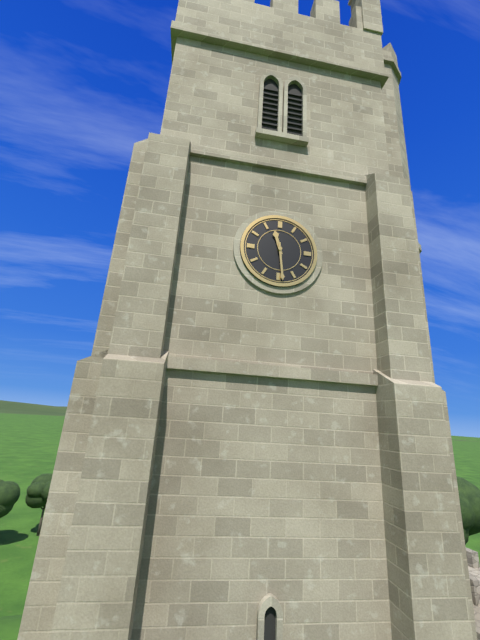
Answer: 11.29
